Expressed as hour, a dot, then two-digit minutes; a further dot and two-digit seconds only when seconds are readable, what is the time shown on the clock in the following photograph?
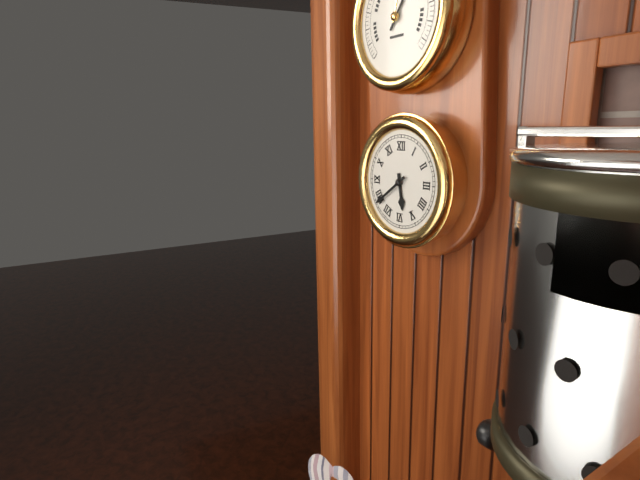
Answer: 5.39
